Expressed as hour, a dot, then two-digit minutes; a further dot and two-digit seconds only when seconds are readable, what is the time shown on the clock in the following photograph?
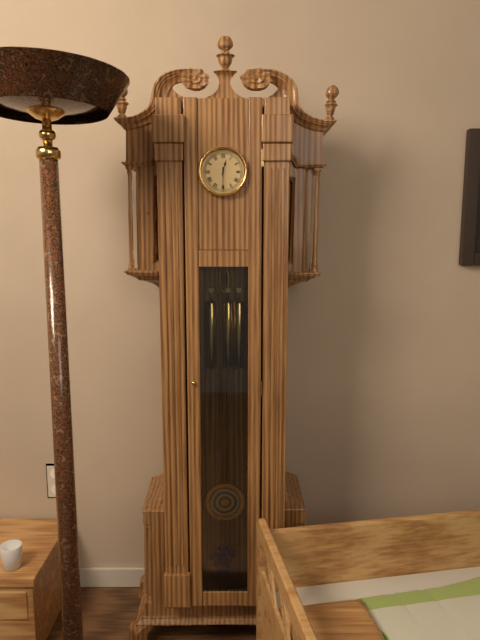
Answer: 12.30
